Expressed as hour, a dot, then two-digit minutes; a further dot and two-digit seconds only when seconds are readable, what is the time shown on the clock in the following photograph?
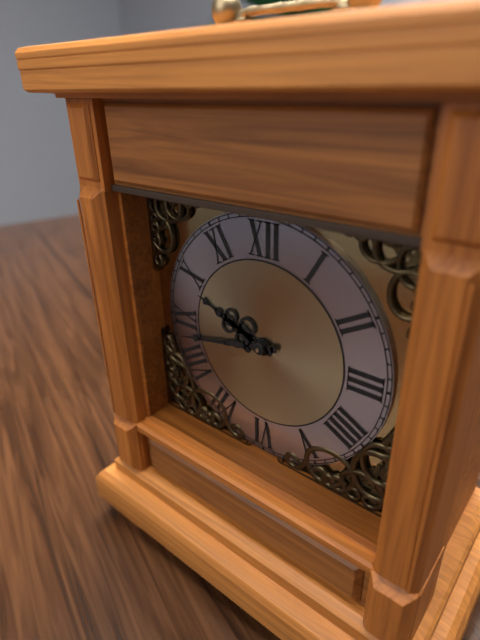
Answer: 9.43
